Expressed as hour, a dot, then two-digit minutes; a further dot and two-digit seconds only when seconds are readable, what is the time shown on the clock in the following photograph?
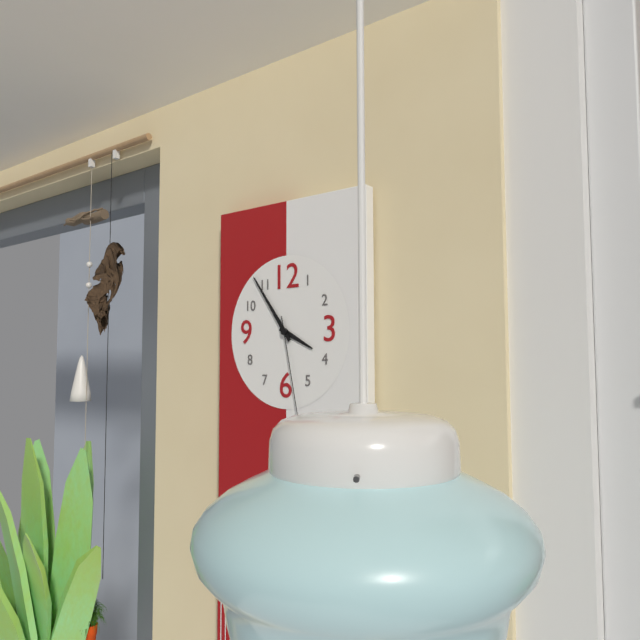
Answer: 3.54.28
